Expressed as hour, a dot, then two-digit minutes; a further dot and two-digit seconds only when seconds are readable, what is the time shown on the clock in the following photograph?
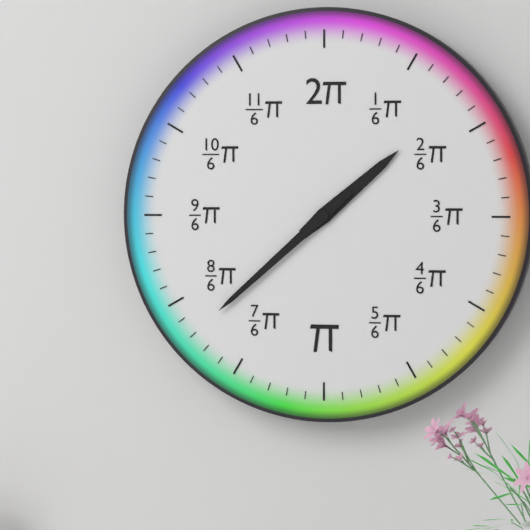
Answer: 1.38
